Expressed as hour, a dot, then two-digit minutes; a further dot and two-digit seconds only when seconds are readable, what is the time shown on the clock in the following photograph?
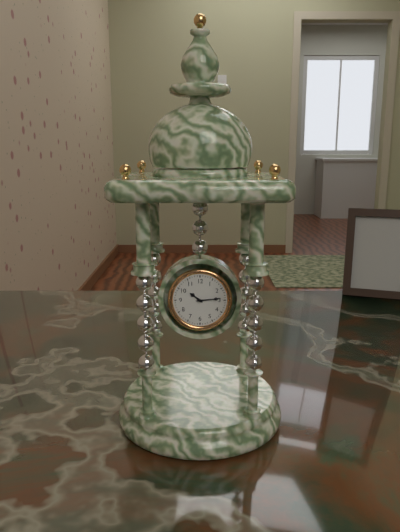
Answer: 10.14
